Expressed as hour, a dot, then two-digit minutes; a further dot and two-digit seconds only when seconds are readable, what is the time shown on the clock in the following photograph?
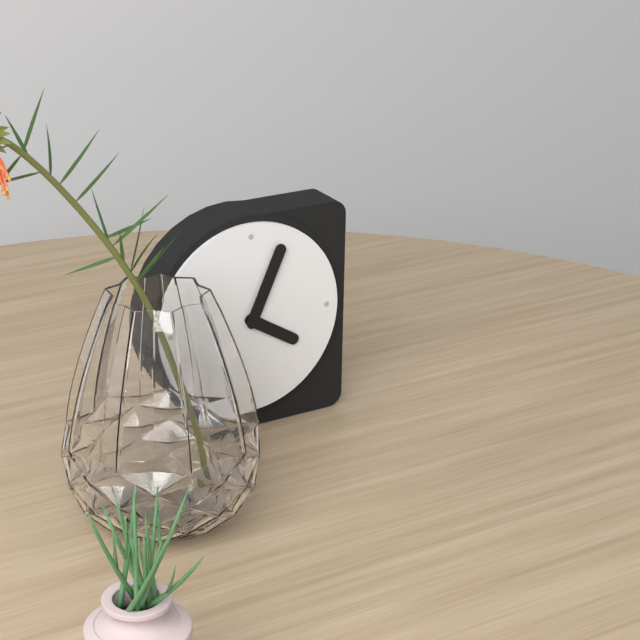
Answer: 4.04
